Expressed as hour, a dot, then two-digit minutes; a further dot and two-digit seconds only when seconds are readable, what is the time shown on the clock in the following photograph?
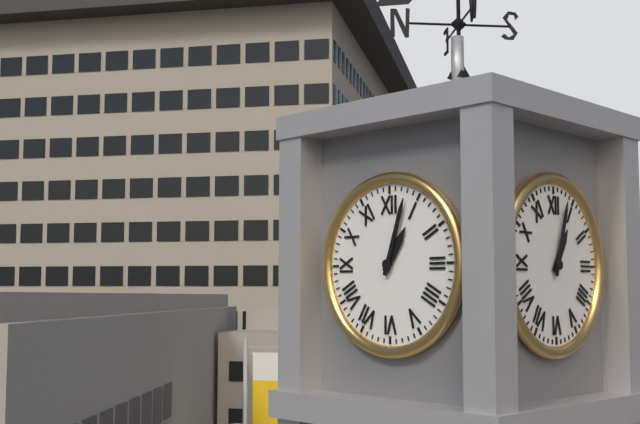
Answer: 1.03
